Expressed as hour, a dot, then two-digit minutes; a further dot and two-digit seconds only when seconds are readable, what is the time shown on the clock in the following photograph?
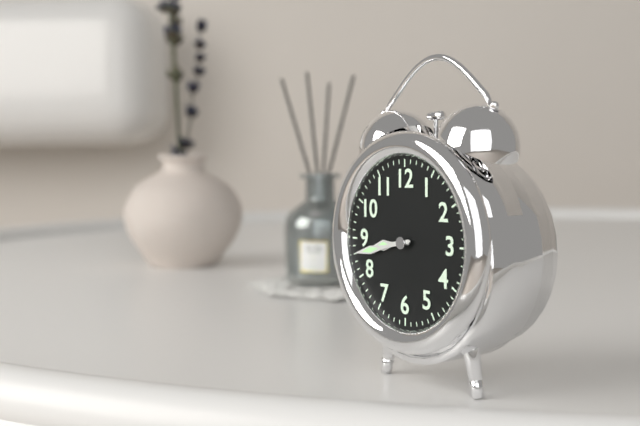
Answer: 8.43
